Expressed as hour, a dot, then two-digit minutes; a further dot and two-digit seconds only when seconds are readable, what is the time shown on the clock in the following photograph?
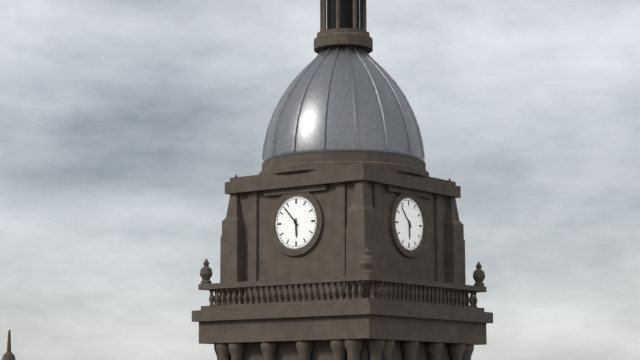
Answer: 5.53
